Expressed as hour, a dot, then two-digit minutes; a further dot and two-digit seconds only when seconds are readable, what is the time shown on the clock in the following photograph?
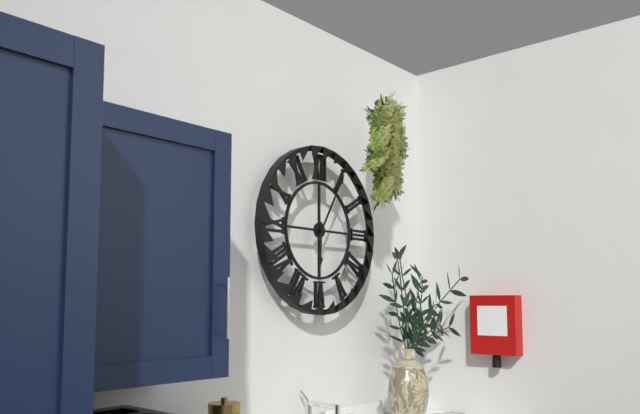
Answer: 6.05
